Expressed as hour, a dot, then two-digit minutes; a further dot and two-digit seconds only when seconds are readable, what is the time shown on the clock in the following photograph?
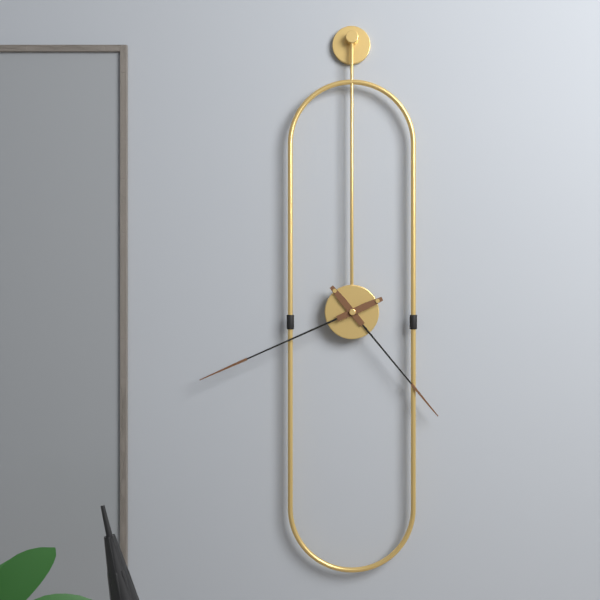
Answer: 4.41
